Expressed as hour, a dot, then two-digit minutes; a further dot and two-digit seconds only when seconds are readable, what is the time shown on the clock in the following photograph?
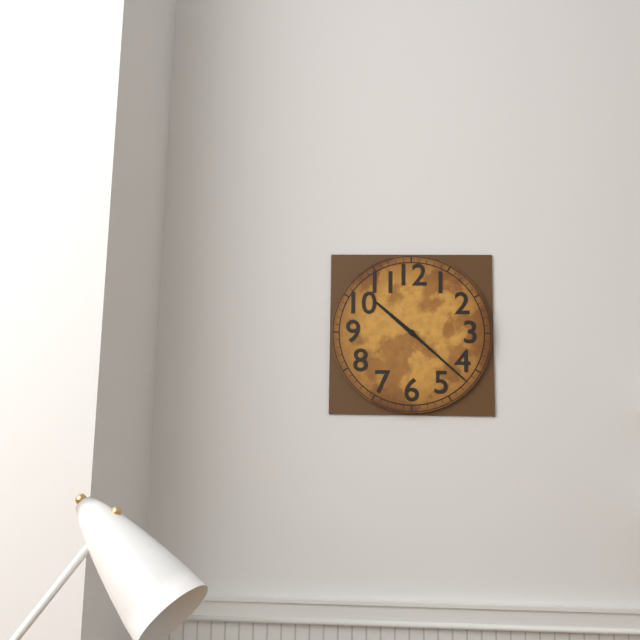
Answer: 10.22
